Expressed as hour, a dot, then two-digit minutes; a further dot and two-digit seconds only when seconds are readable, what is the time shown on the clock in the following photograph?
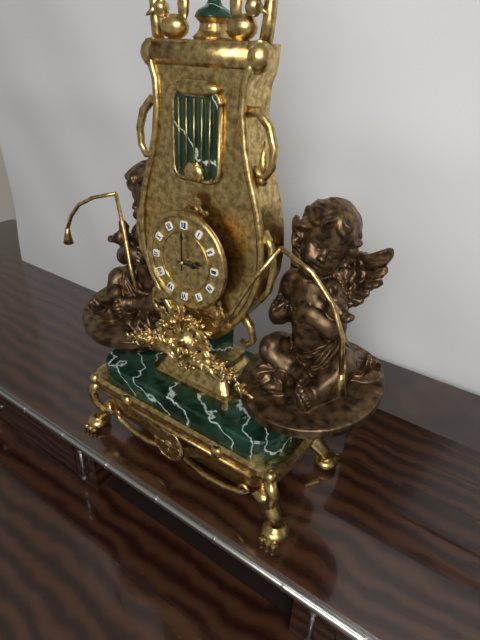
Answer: 3.00
